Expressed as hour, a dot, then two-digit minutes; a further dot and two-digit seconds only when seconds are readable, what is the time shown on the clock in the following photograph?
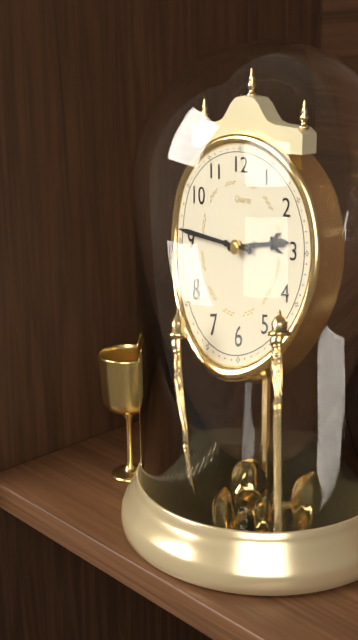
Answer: 2.46
